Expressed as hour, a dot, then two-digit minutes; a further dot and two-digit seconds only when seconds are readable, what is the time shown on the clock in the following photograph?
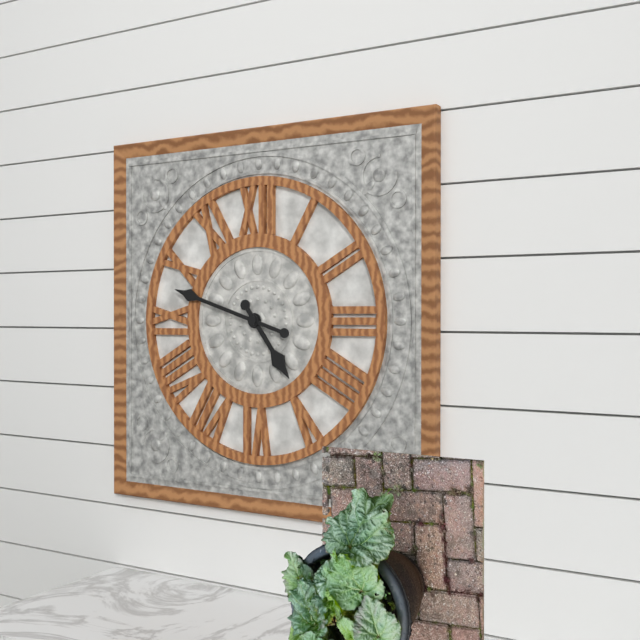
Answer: 4.48
